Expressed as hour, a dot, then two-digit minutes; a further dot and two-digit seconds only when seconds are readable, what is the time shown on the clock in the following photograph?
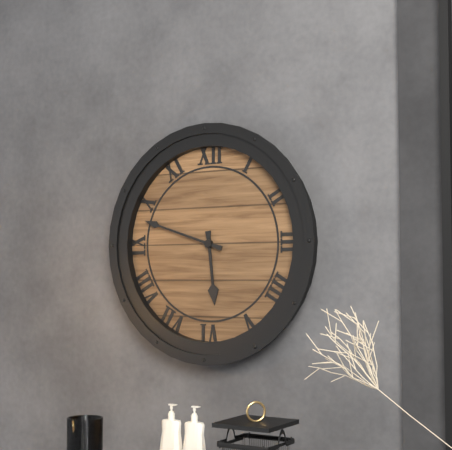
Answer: 5.48
